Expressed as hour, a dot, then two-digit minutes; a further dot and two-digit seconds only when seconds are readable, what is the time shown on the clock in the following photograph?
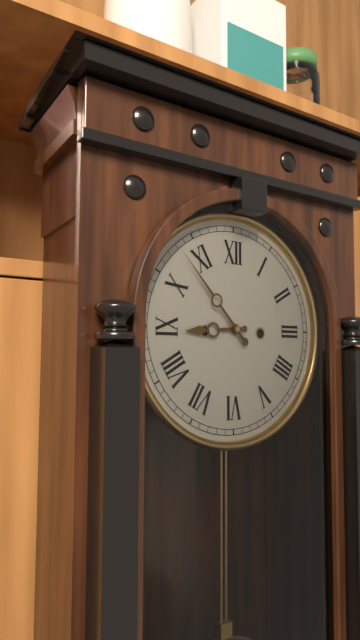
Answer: 8.53
